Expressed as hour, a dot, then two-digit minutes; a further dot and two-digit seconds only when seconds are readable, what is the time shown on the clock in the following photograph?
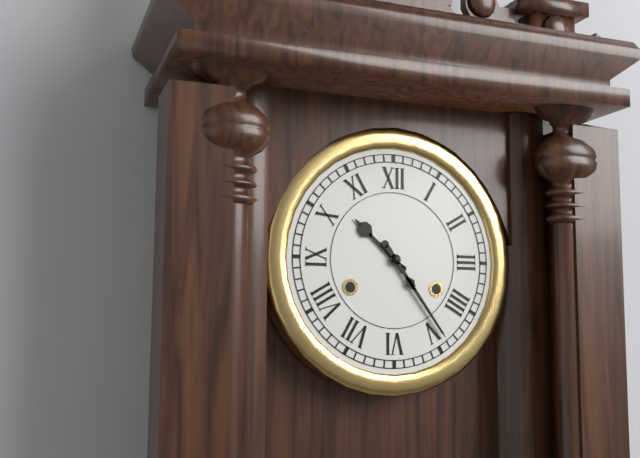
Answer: 10.24
